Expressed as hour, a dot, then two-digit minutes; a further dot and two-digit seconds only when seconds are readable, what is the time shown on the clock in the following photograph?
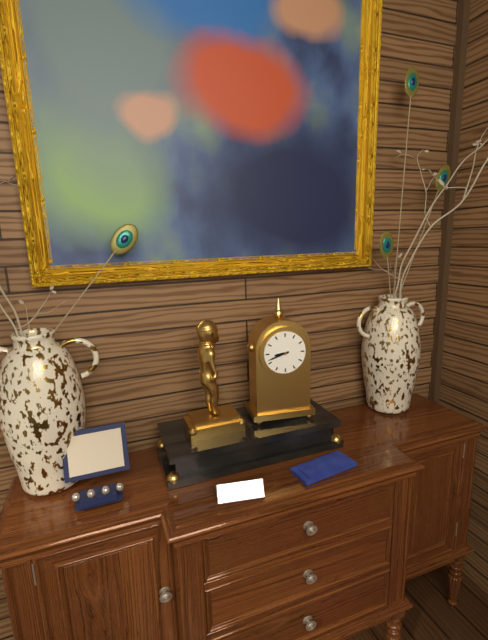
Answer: 8.42
